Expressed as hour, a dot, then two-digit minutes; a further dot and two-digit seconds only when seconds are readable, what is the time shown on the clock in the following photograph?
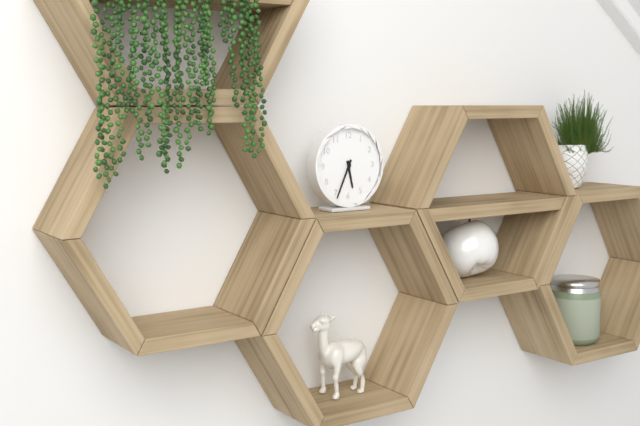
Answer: 5.34
